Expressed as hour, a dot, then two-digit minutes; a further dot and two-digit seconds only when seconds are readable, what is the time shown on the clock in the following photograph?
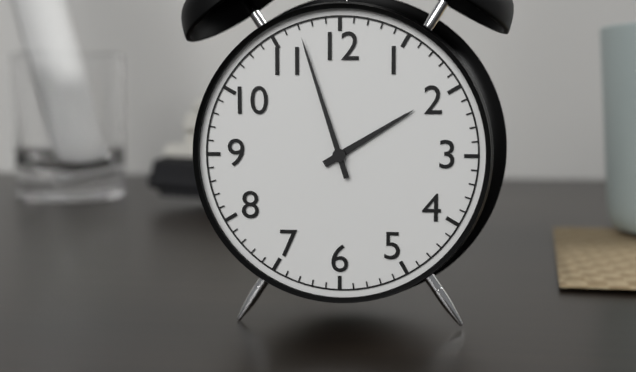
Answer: 1.57
